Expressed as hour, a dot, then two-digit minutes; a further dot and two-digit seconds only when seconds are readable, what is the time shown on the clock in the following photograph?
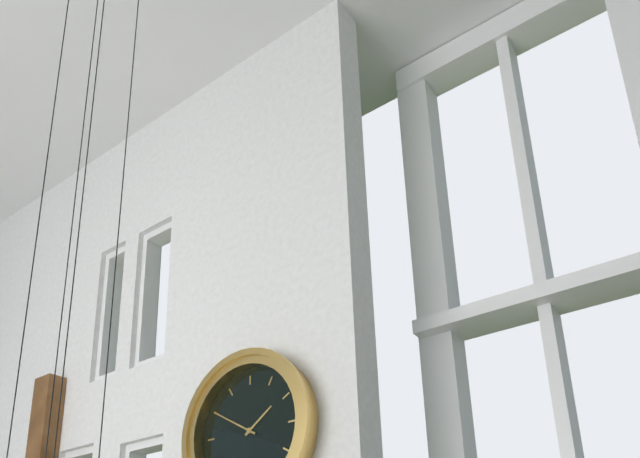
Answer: 1.50
